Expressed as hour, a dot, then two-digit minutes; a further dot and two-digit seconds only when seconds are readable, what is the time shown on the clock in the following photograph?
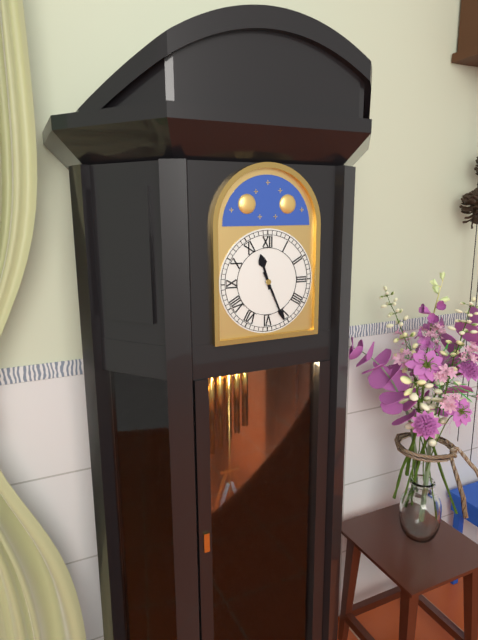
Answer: 11.26
